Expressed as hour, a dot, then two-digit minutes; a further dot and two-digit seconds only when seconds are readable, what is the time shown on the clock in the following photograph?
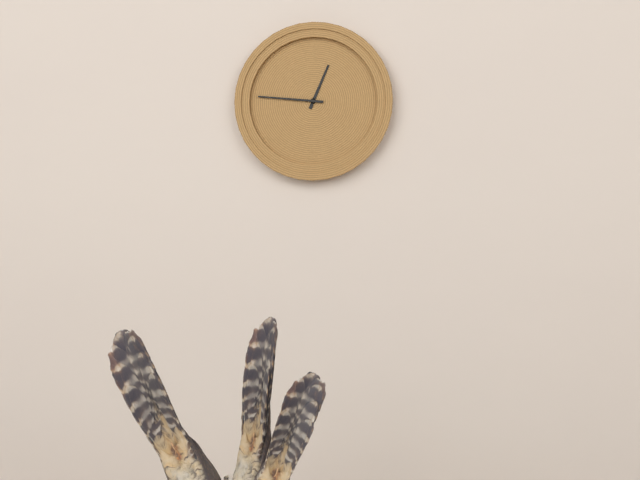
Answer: 12.46
